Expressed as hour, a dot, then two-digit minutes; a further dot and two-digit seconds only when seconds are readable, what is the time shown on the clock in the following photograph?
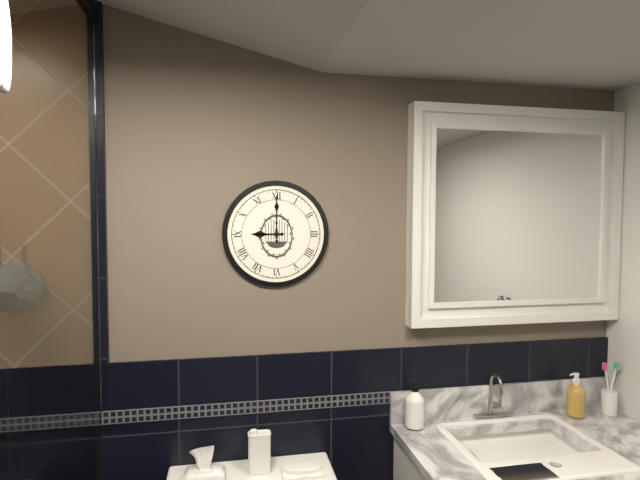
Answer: 9.00
